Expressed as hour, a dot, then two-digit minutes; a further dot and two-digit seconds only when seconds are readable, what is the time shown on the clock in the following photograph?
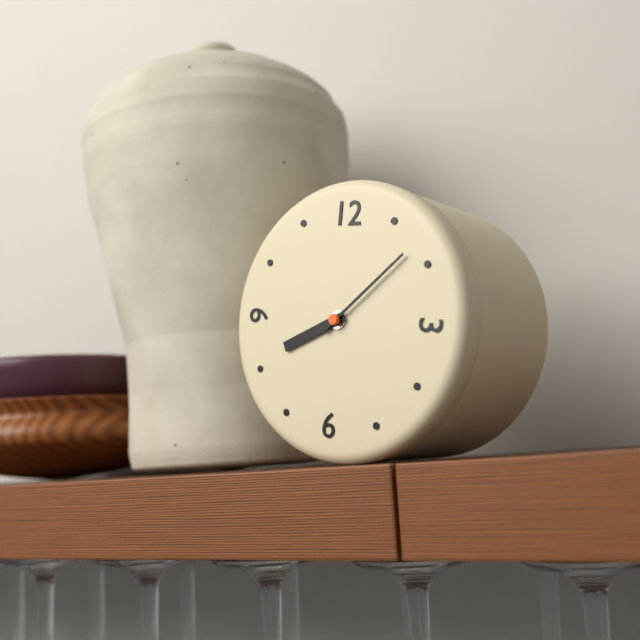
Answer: 8.08
